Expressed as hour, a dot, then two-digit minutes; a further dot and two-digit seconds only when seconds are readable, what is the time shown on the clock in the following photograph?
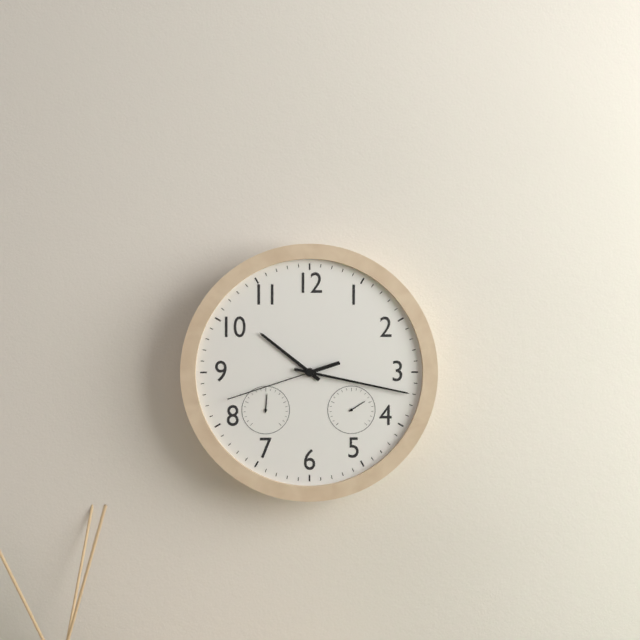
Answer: 10.17.42
